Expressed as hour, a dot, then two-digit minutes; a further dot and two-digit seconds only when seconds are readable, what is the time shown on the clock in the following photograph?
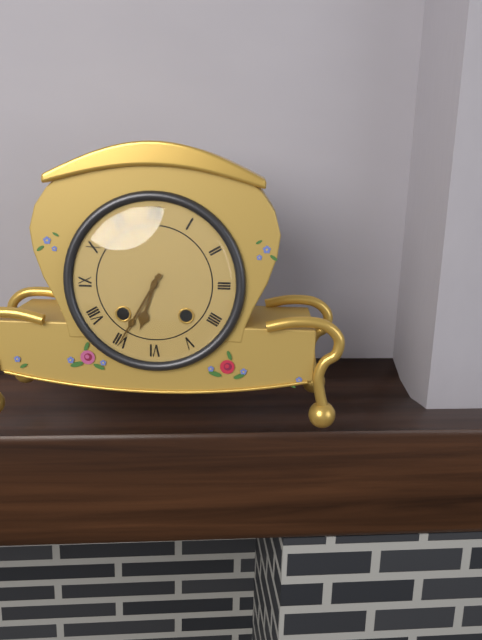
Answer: 6.35
